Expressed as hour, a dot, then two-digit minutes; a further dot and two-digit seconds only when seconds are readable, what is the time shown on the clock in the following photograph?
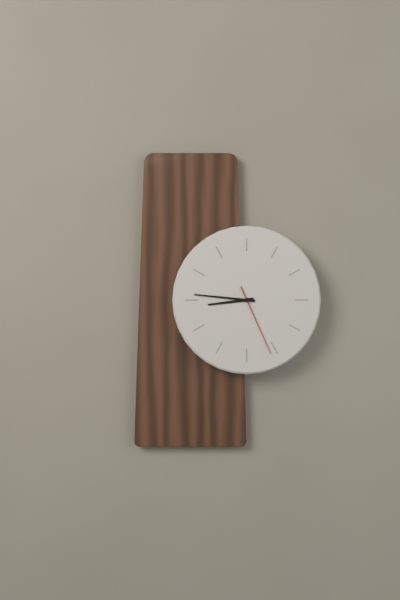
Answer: 8.46.26
